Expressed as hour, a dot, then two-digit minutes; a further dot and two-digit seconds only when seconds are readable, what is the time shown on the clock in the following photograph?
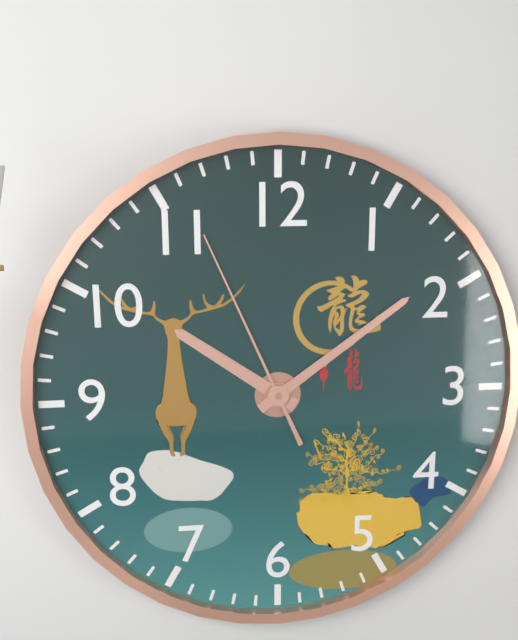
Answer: 10.09.56
